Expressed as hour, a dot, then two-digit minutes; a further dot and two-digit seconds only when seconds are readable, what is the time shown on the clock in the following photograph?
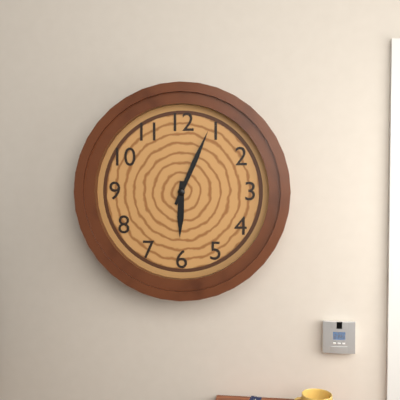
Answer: 6.04
